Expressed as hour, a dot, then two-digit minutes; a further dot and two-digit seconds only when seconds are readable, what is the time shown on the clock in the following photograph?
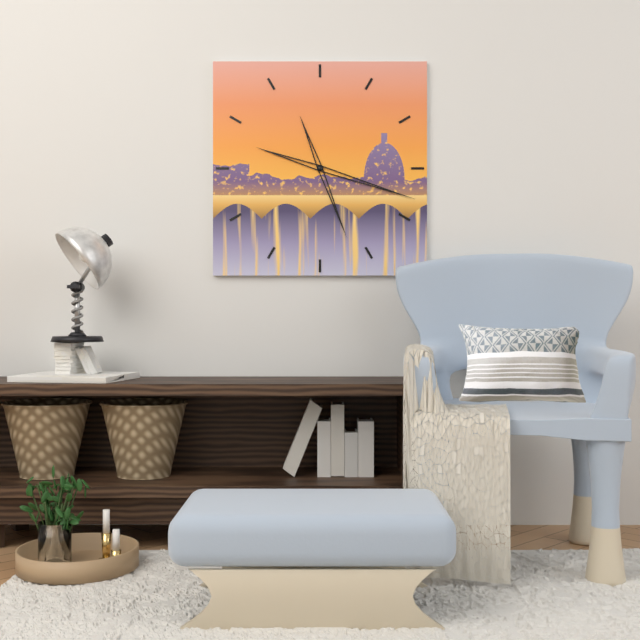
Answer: 5.18
